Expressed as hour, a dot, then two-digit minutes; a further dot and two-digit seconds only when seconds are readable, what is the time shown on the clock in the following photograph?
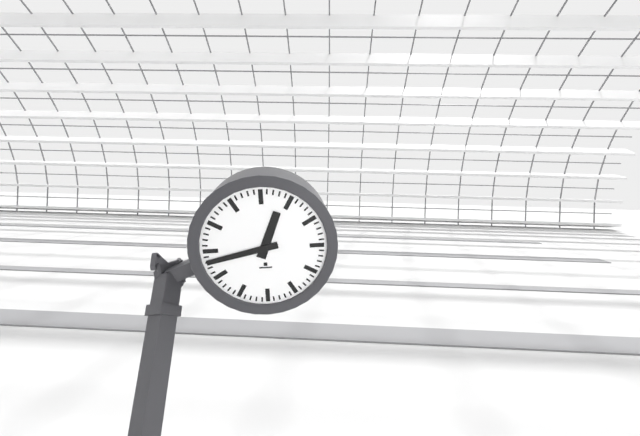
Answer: 12.43
